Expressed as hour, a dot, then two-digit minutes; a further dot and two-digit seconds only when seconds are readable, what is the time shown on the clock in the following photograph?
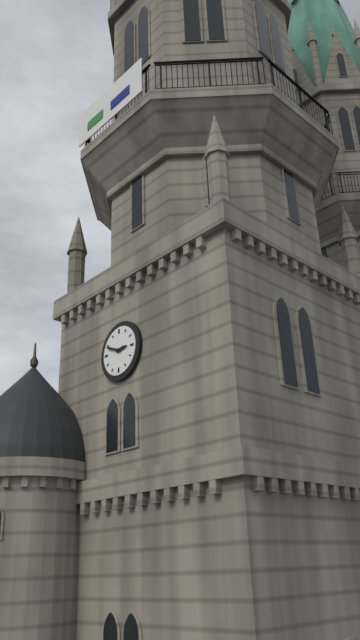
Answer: 2.49
